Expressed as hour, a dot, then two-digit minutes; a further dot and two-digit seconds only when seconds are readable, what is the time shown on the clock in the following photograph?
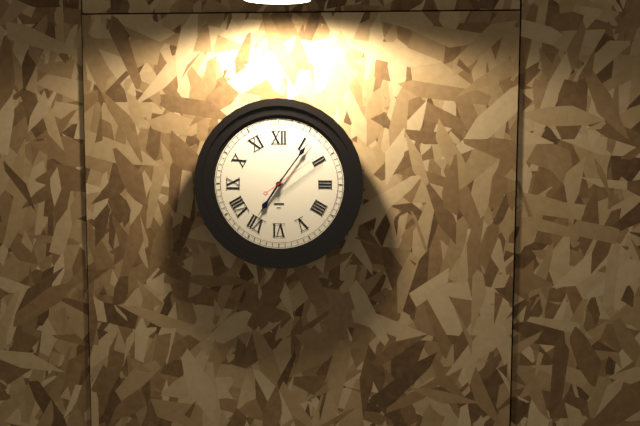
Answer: 7.06.09
